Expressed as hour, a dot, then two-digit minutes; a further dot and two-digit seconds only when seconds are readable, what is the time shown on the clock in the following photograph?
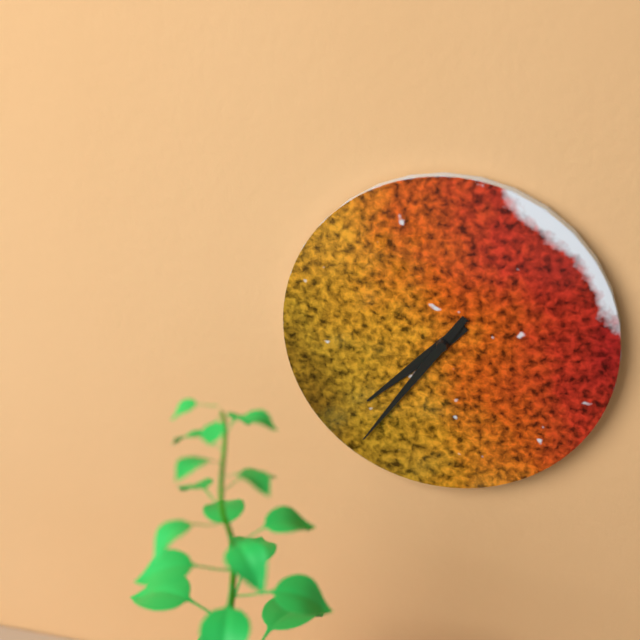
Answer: 7.36
